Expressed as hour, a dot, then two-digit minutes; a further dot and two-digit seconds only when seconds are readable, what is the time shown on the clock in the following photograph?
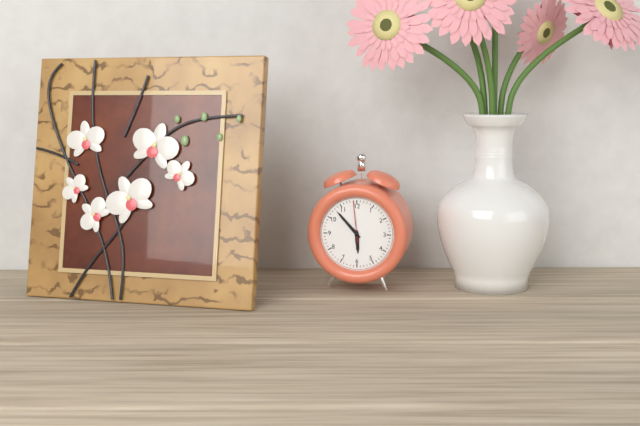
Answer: 5.53
